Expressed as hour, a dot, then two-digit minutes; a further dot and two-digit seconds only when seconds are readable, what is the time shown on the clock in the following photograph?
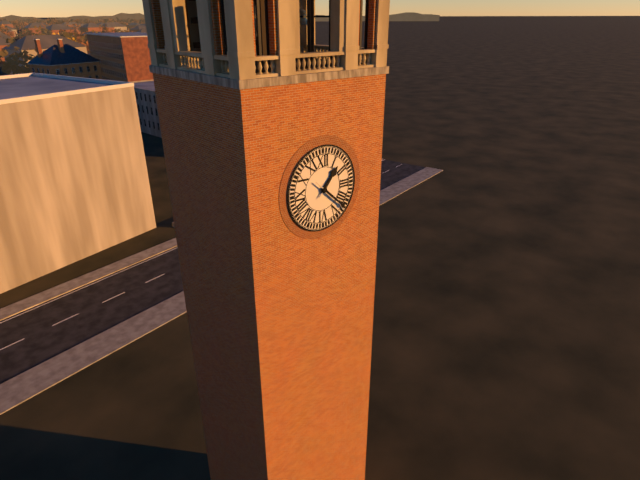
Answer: 1.22
